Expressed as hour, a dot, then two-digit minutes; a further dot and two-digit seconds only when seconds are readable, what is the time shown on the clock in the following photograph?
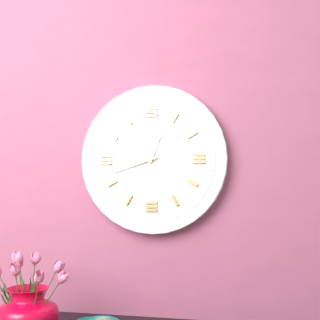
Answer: 12.42
